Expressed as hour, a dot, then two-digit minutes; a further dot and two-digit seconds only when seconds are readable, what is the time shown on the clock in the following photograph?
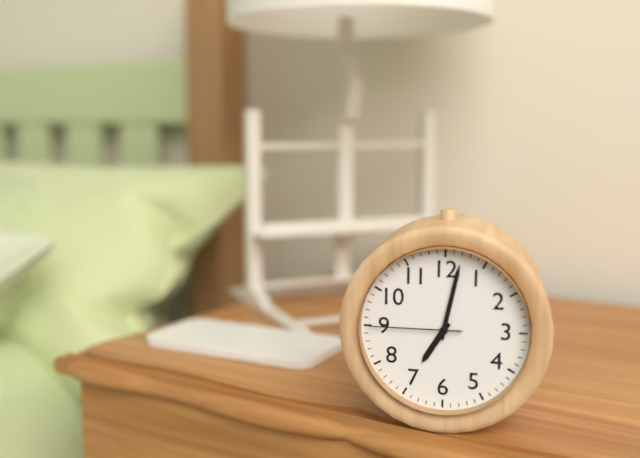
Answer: 7.02.45
